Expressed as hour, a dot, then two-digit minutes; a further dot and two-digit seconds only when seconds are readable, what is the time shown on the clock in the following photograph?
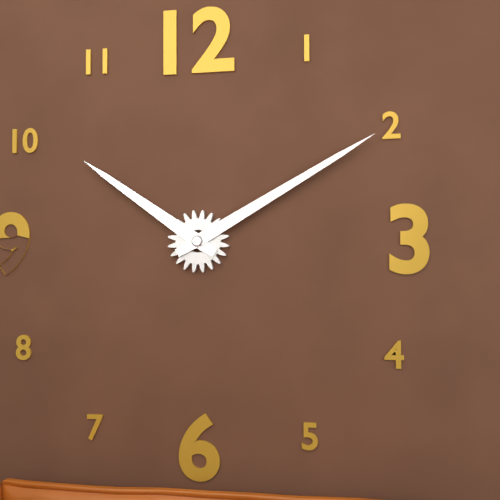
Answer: 10.10
